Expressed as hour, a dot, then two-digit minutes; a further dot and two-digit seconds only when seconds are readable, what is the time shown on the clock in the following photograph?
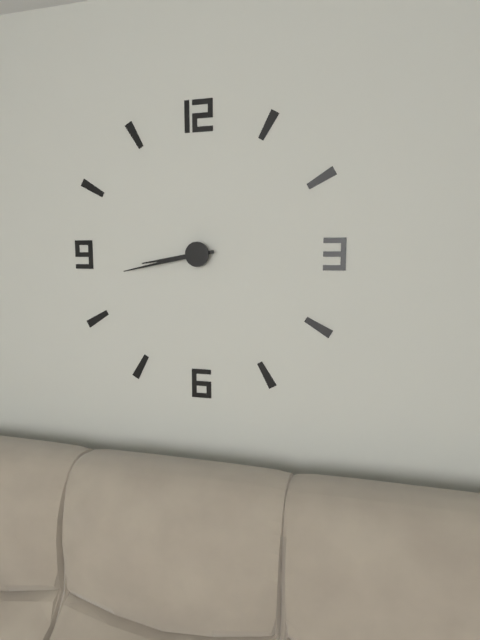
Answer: 8.43
